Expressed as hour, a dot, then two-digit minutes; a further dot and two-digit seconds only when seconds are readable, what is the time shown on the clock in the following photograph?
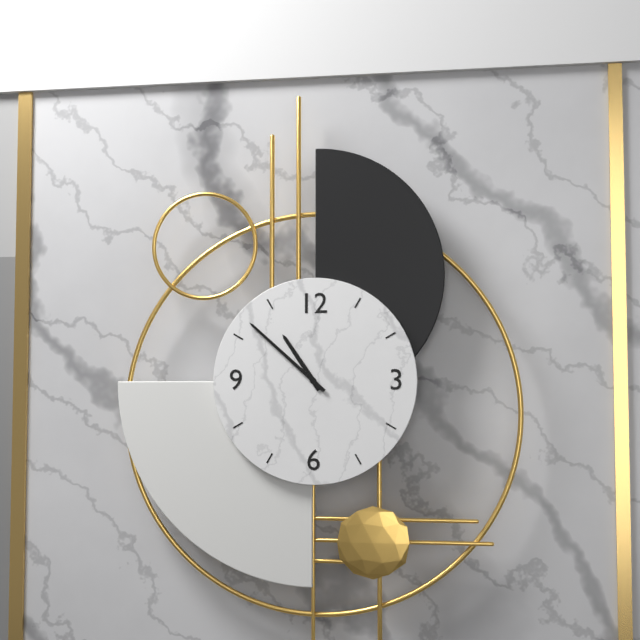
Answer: 10.52
